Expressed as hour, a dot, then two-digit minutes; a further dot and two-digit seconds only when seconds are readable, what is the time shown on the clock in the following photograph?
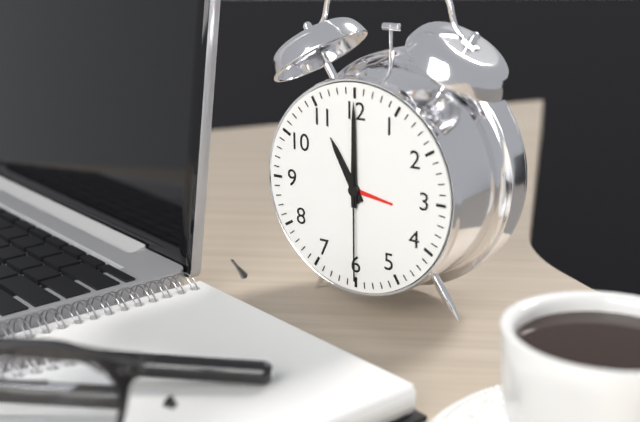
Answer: 11.00.30
